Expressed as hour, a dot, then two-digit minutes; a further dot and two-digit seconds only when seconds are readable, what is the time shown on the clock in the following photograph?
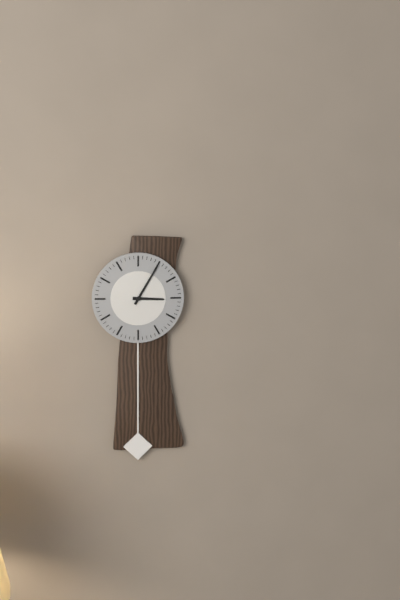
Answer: 3.05
